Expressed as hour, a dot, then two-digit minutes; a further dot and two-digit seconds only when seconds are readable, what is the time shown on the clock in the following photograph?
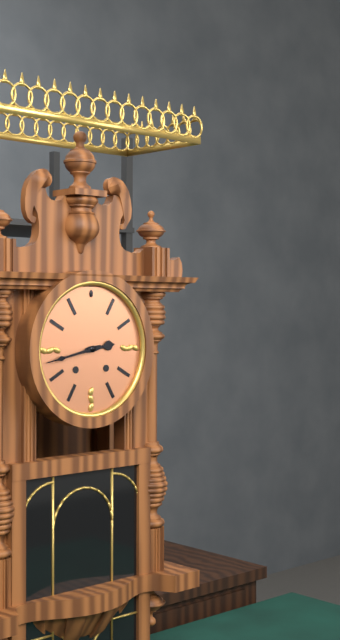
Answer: 2.43
